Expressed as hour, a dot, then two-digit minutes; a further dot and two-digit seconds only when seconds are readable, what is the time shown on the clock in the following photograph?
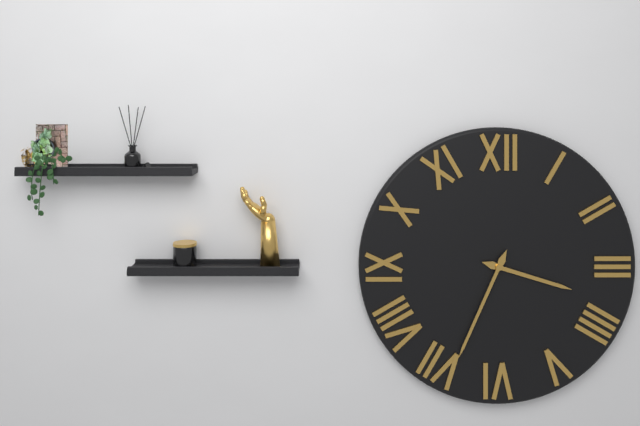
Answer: 3.34
